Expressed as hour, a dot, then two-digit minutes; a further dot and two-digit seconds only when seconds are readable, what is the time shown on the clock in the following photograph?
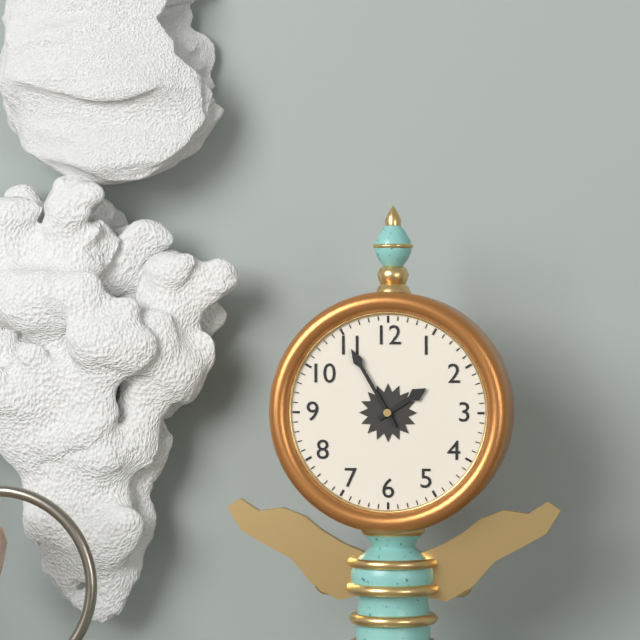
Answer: 1.55
